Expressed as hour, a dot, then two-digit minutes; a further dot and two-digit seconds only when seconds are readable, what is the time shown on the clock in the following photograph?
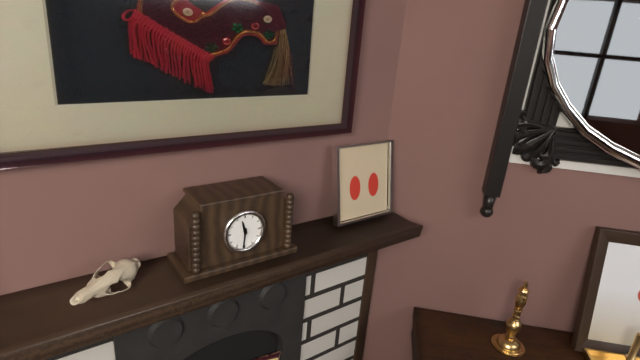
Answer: 11.31
